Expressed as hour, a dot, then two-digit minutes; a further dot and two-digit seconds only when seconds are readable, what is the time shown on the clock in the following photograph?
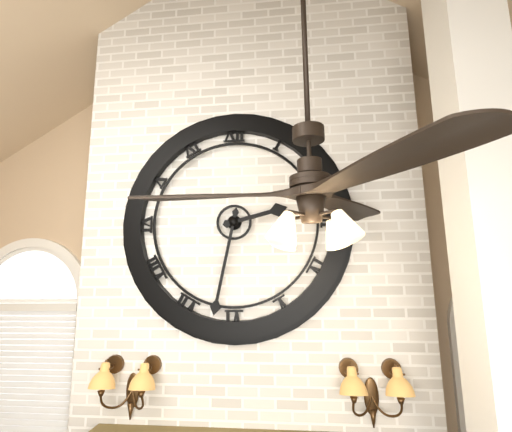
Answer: 2.32
